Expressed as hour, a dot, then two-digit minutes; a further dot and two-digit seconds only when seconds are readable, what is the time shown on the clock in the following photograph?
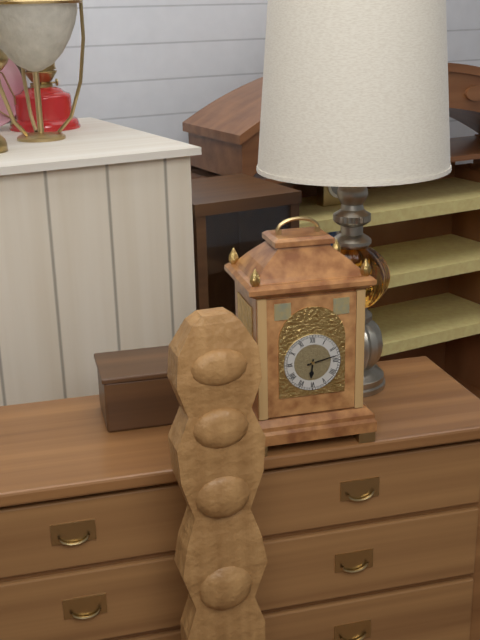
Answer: 6.13
